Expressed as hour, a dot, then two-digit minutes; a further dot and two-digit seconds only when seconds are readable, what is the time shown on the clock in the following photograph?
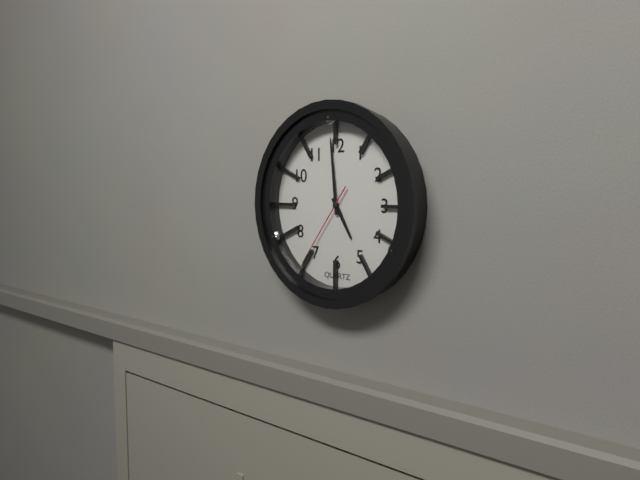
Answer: 4.59.36
